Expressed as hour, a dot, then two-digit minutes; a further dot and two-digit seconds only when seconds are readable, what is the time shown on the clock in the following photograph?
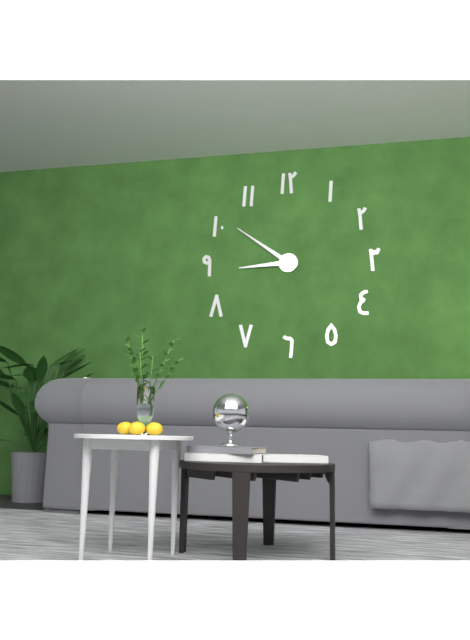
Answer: 8.51
